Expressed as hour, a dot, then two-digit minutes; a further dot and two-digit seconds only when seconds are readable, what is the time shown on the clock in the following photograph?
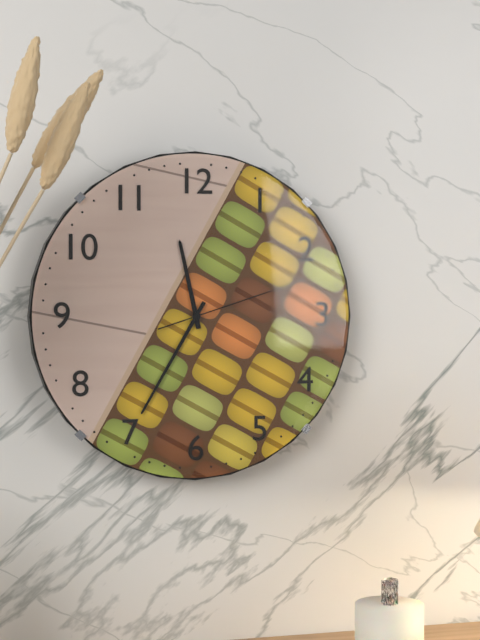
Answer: 11.35.12
